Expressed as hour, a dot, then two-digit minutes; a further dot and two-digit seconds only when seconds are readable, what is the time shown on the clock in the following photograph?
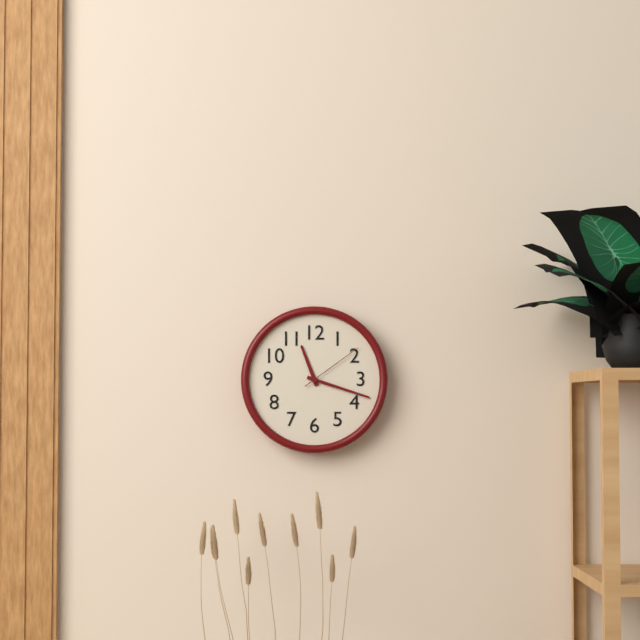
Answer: 11.18.09
